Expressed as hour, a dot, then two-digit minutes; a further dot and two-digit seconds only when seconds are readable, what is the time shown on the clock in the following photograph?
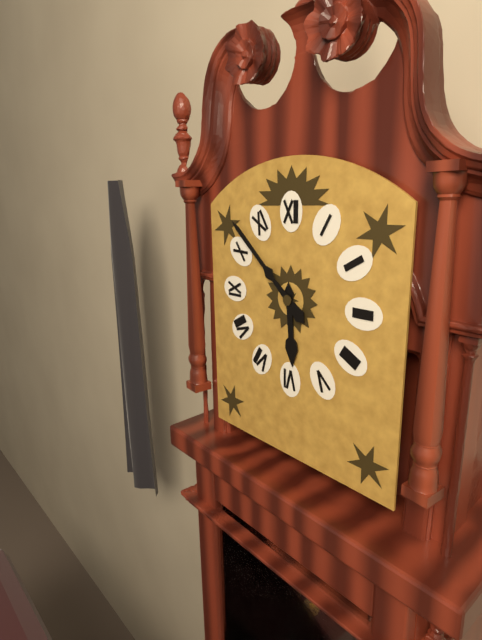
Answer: 5.52
